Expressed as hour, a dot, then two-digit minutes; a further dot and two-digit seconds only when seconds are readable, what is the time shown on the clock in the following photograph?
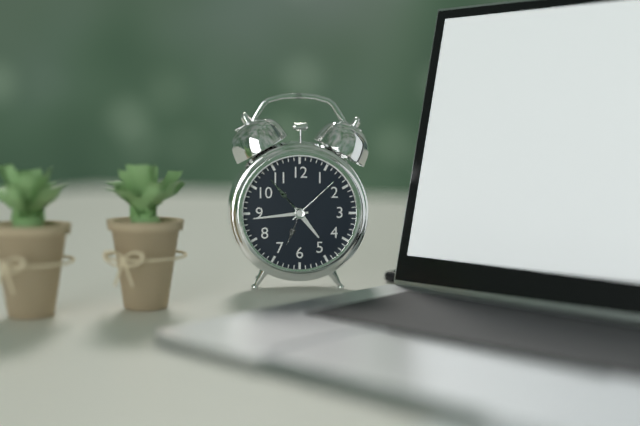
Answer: 4.44
